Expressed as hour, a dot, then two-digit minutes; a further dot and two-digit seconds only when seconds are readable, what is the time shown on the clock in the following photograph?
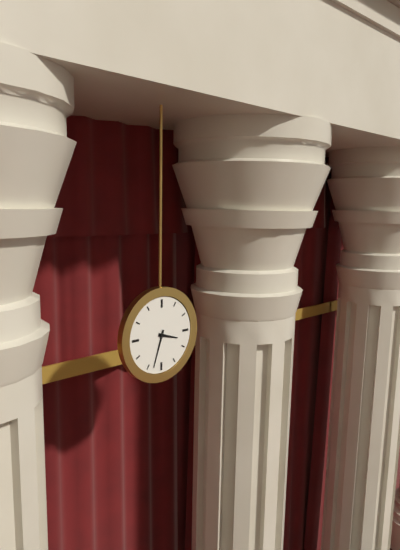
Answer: 3.33
